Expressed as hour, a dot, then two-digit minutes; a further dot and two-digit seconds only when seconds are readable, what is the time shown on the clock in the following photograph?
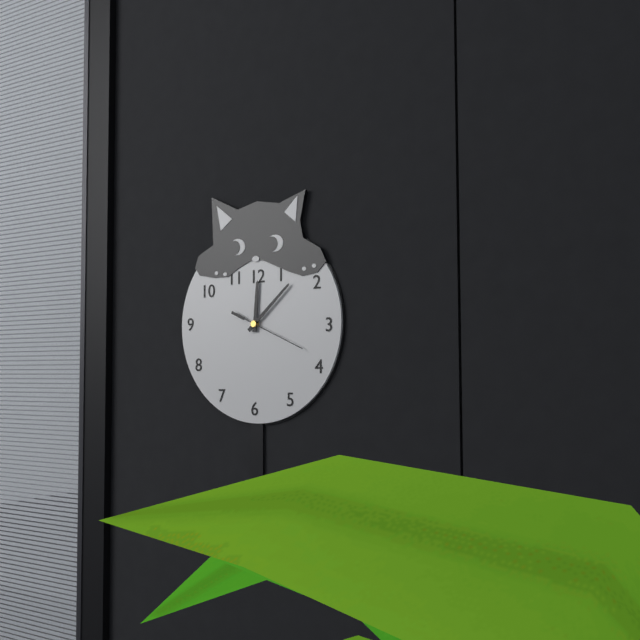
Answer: 12.08.19
